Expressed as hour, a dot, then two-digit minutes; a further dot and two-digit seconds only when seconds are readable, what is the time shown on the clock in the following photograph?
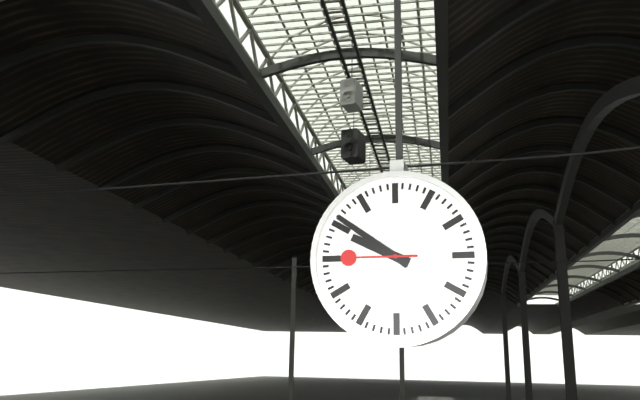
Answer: 9.51.45
